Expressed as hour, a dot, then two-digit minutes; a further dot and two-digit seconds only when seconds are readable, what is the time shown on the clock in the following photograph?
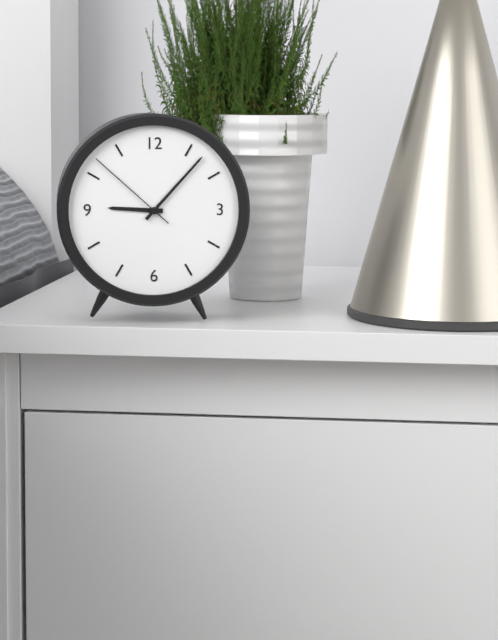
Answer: 9.07.52
